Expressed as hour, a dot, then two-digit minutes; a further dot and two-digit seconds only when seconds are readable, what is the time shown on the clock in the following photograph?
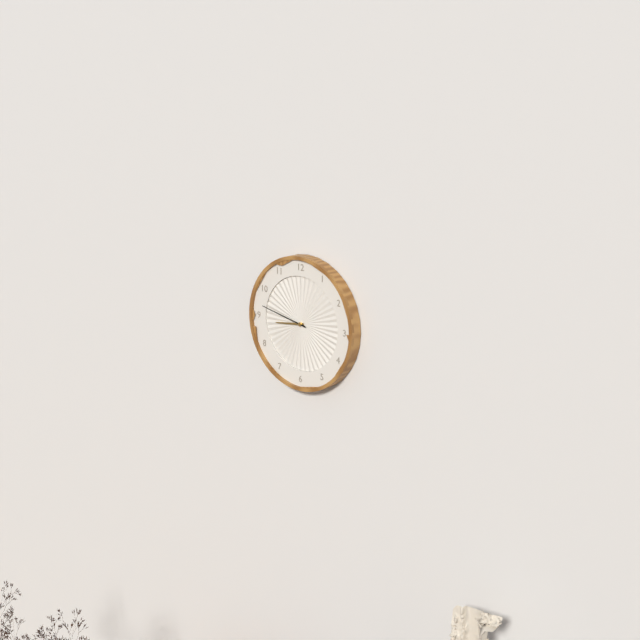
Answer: 8.47
